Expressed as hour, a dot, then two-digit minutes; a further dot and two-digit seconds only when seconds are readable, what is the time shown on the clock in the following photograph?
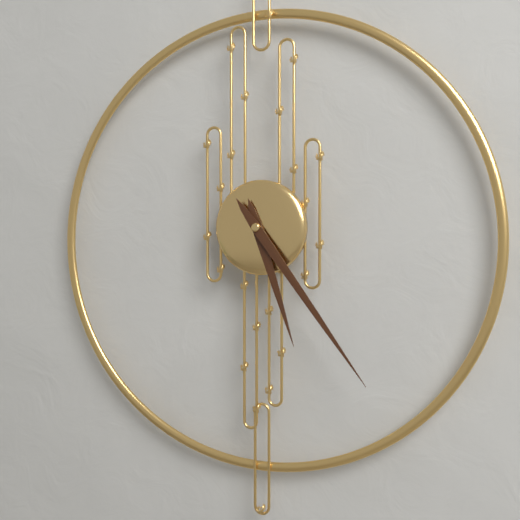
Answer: 5.24
